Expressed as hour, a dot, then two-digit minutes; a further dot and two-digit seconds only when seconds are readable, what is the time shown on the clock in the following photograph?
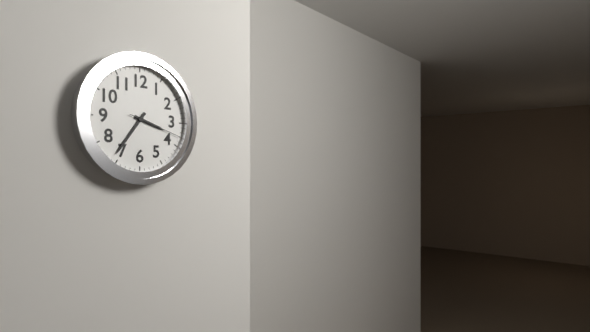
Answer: 3.36.18
